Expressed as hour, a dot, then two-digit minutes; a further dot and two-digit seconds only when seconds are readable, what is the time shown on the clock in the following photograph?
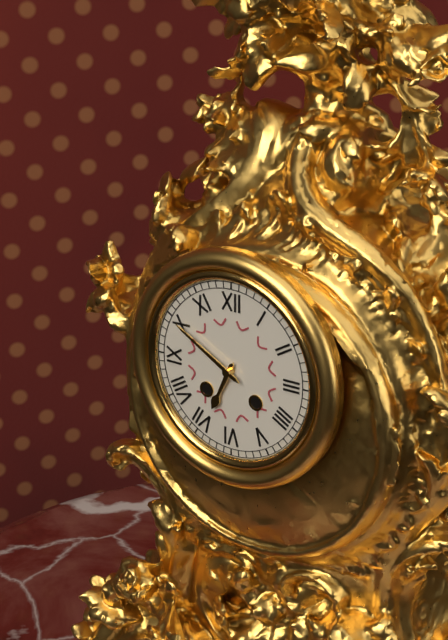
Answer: 6.50
